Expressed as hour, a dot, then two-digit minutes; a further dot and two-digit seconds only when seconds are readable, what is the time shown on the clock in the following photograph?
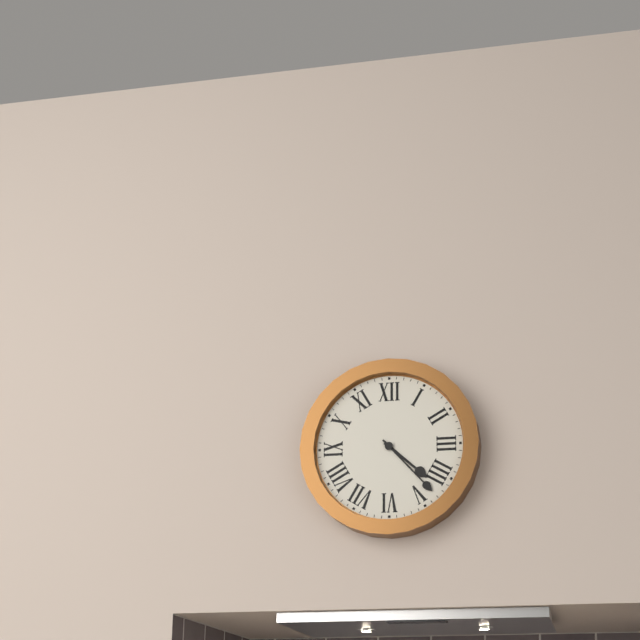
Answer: 4.23
